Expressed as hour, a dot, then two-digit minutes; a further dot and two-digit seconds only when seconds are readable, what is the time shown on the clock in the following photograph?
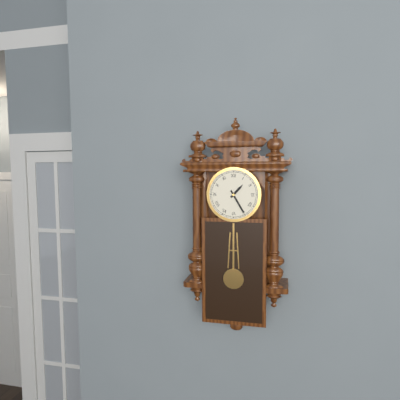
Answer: 1.25
